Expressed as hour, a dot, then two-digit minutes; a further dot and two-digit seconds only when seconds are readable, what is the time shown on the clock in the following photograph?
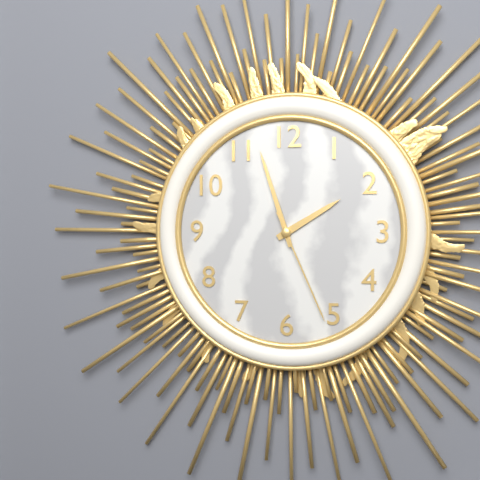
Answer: 1.57.26
